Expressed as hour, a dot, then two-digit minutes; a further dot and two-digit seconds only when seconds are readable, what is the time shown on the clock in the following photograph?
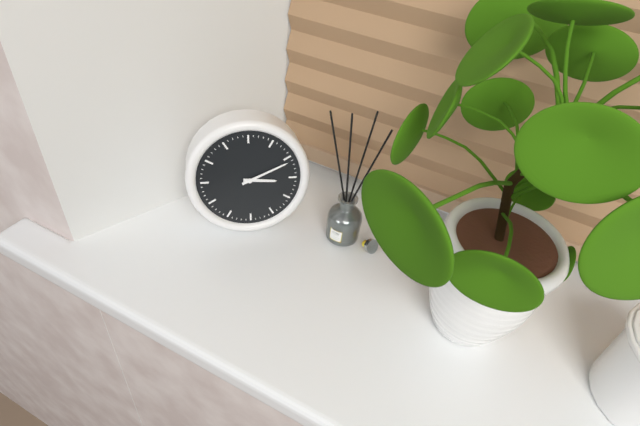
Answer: 3.11
